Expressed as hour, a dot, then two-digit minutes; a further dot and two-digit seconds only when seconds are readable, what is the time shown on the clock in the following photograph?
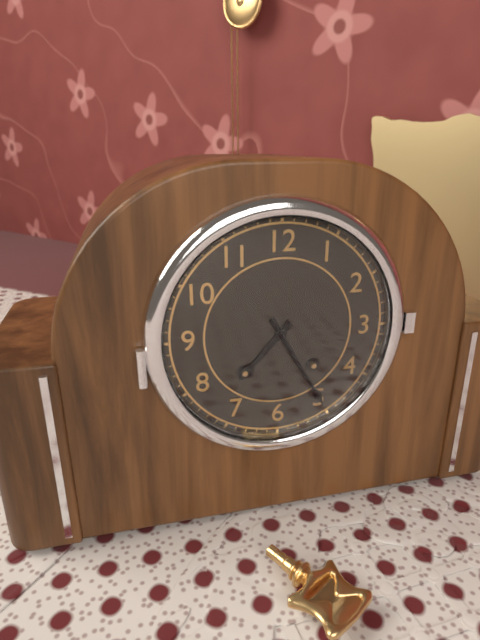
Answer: 7.25
